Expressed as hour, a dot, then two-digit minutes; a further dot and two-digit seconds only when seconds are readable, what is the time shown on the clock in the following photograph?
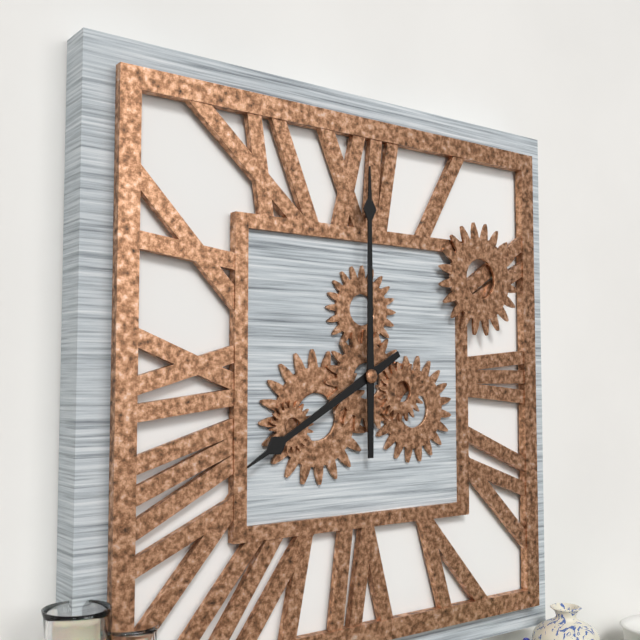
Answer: 8.00
